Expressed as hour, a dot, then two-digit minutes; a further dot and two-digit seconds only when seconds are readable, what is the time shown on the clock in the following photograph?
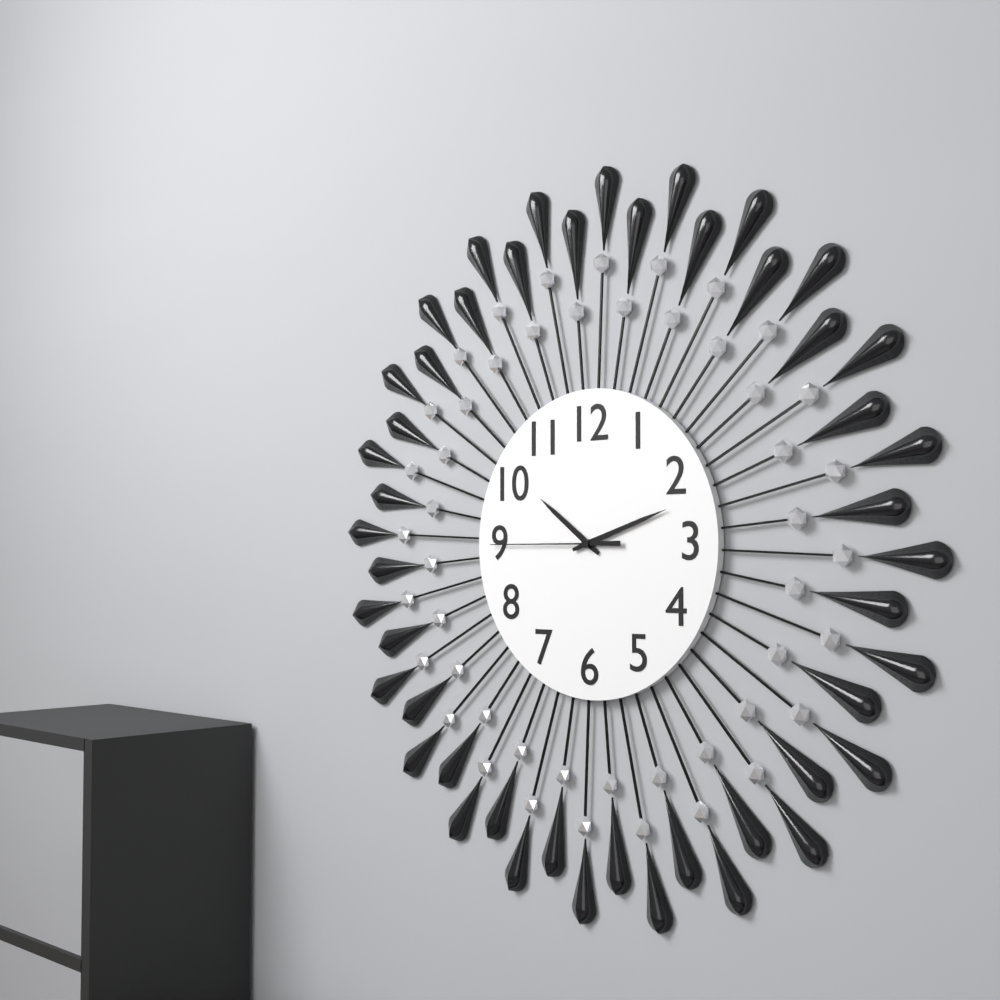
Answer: 10.12.45
